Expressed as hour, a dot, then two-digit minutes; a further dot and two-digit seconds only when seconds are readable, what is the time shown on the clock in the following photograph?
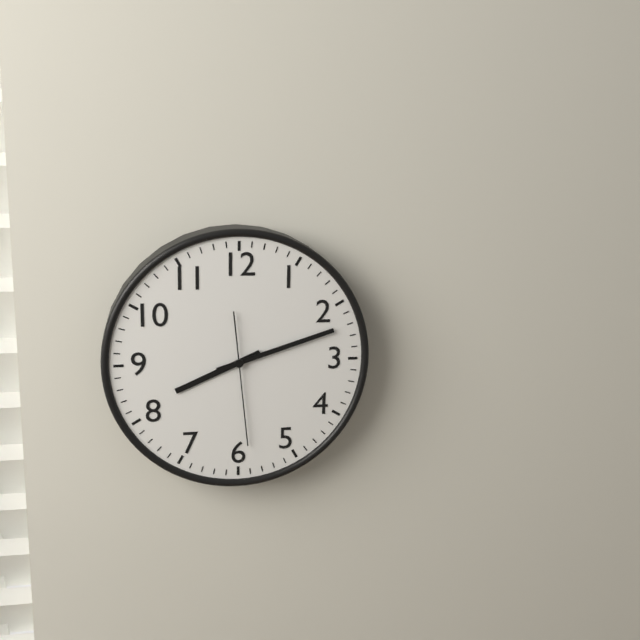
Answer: 8.12.29
